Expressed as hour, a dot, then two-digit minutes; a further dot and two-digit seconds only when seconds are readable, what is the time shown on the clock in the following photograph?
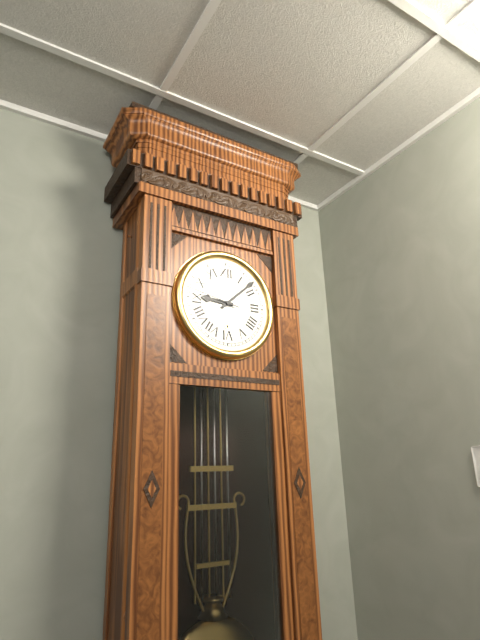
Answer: 9.08
